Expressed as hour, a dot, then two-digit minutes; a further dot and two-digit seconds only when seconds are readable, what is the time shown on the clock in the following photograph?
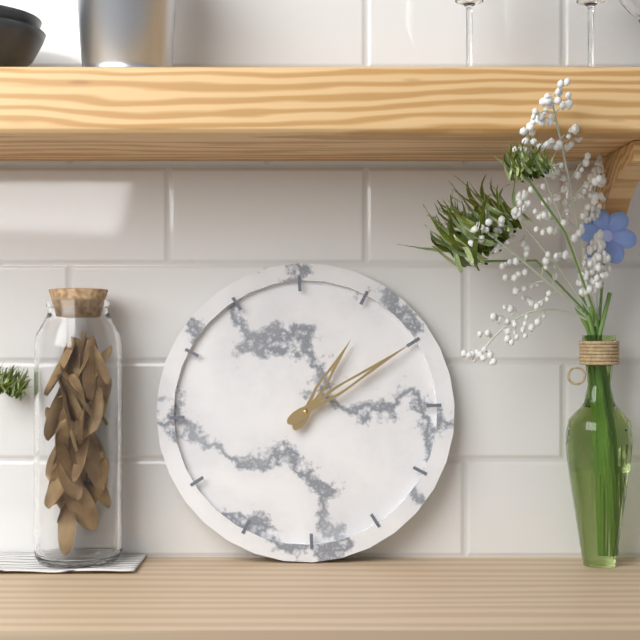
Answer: 1.10
